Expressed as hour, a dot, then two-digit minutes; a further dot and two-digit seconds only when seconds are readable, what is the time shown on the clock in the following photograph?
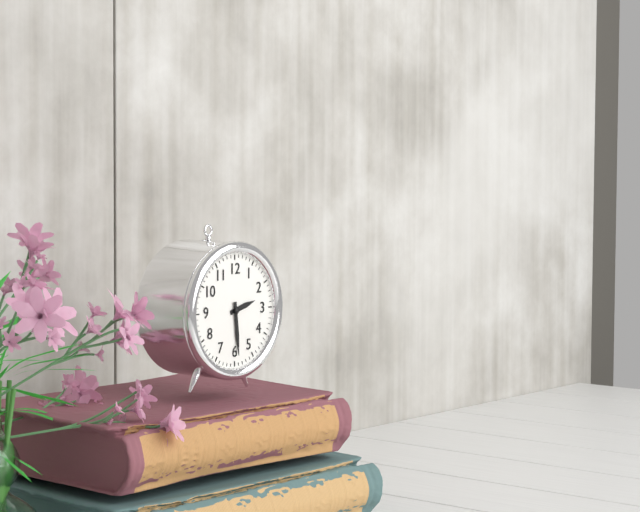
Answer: 2.29
